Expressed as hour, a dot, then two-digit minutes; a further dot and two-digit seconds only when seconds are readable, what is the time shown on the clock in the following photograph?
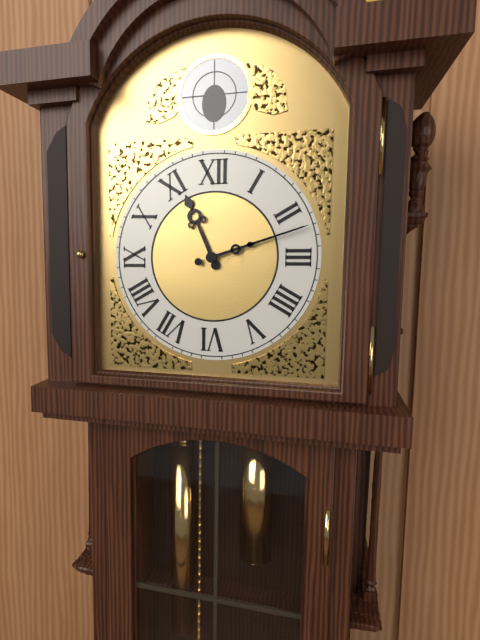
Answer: 11.12
